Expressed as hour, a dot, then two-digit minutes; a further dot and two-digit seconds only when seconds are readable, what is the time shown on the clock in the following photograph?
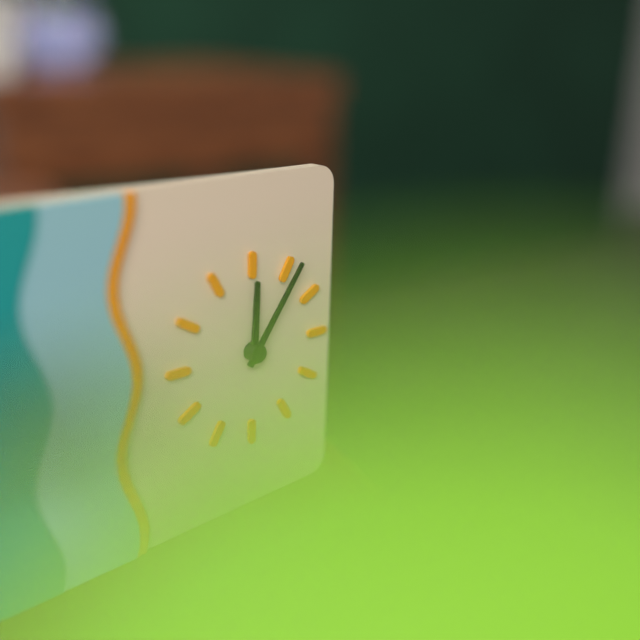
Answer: 12.06
